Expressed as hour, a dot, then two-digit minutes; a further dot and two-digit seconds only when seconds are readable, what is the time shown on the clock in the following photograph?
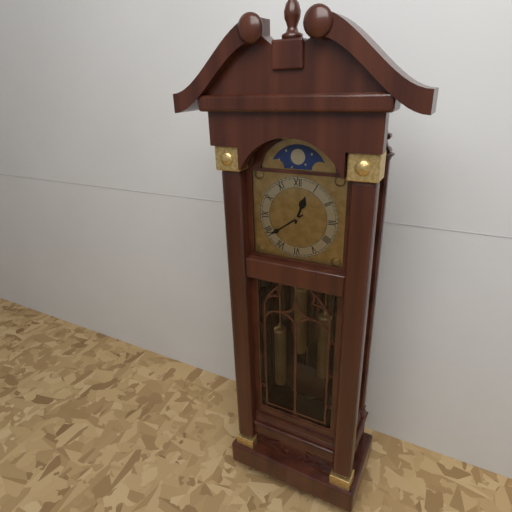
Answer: 12.39
